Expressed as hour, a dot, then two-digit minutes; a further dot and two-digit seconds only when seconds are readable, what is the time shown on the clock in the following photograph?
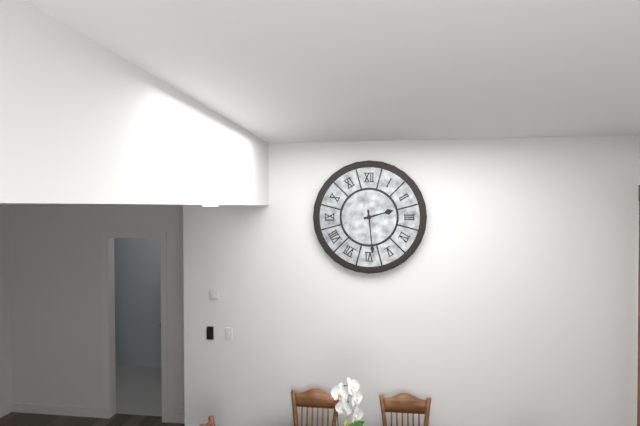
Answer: 2.29
